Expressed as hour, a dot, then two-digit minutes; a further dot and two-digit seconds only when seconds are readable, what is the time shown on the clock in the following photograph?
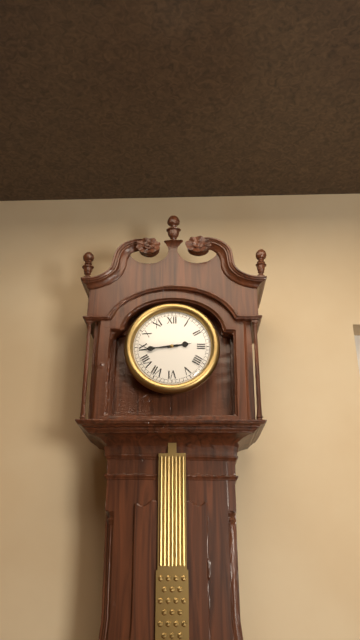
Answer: 2.44
